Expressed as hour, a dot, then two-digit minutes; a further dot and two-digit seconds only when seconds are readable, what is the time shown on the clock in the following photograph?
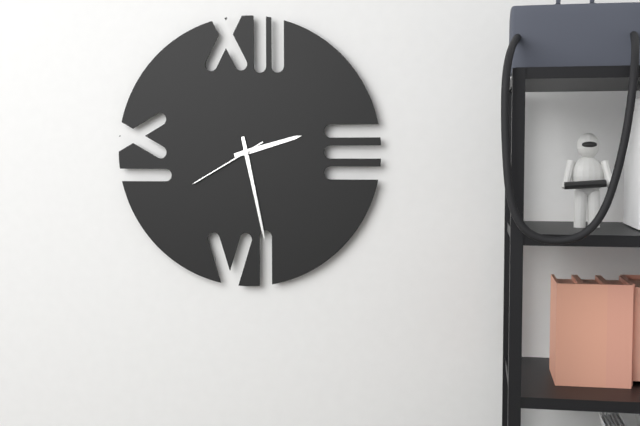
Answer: 2.28.40
